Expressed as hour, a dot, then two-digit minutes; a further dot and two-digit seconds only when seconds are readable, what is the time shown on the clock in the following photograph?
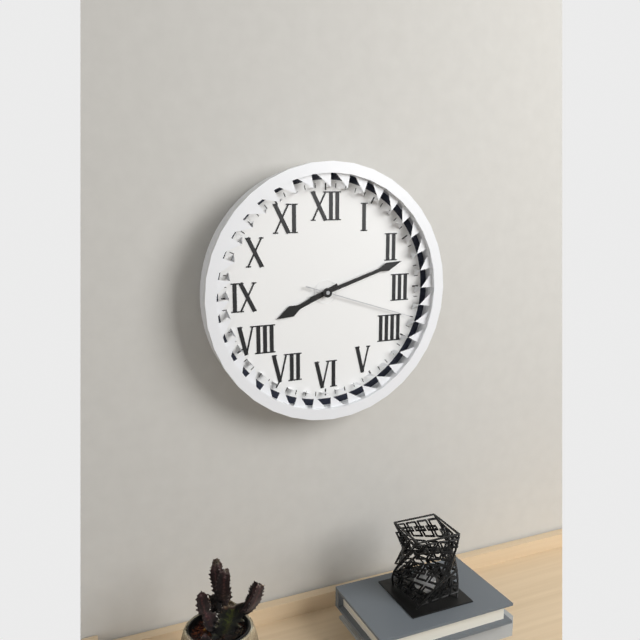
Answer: 8.12.18
